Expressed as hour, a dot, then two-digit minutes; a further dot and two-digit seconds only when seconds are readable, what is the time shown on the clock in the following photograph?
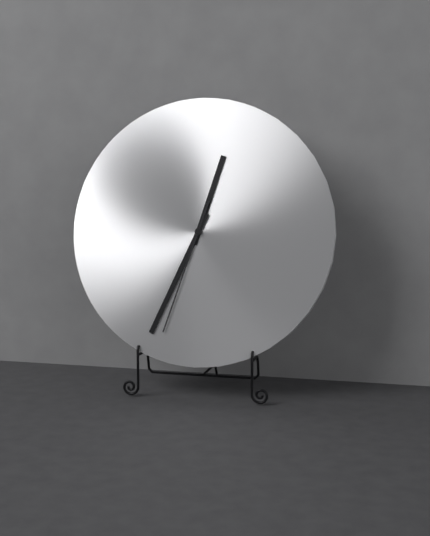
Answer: 12.34.33
